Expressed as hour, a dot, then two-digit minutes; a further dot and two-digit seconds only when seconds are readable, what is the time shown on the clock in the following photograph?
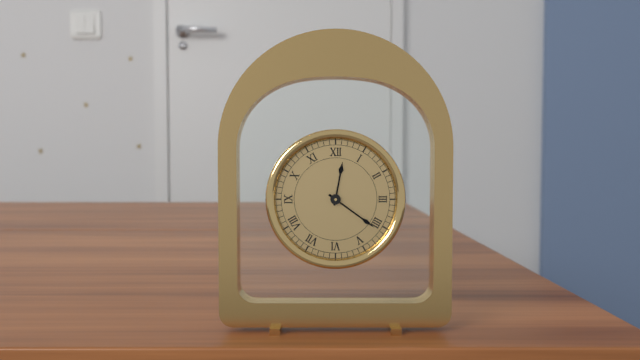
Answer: 12.21
